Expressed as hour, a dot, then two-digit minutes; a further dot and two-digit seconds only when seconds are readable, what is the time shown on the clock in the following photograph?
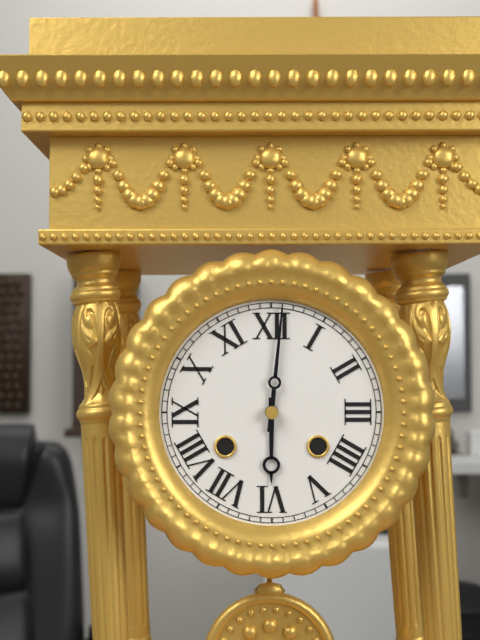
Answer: 6.01
